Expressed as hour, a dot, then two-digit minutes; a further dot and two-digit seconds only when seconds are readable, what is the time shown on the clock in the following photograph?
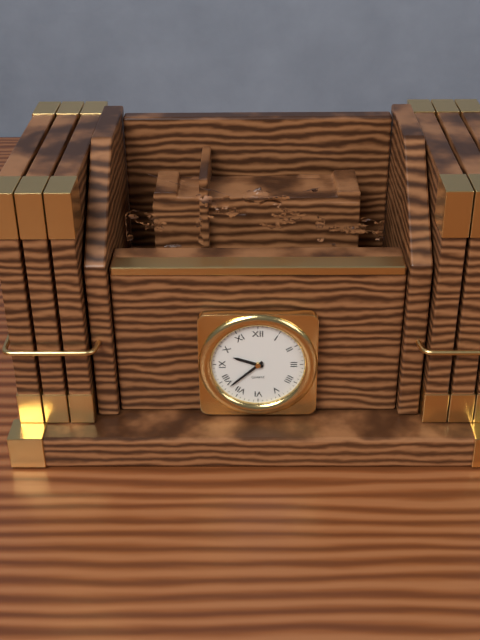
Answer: 9.38
